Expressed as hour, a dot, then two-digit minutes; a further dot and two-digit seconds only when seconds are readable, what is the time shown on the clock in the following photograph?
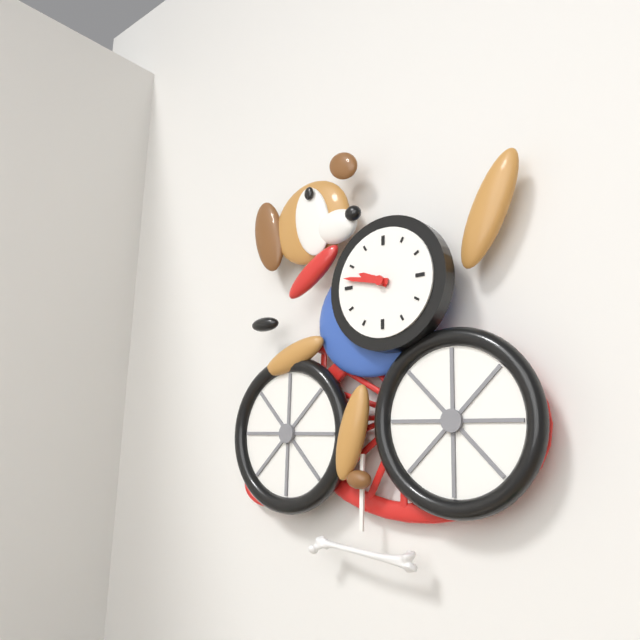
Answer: 9.47
